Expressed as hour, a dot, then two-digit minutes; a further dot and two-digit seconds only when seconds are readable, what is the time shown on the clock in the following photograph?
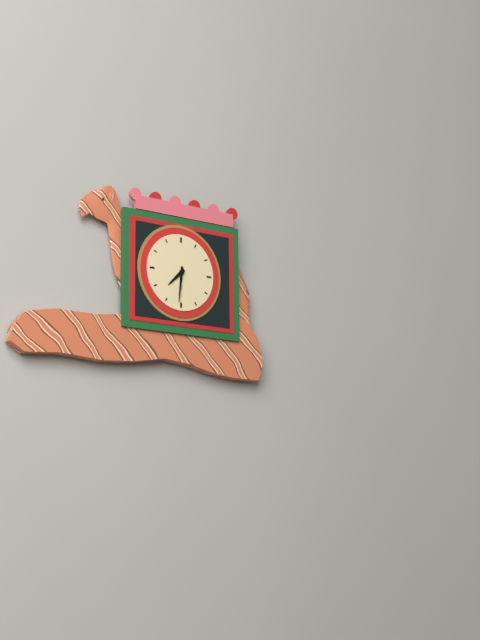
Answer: 7.31
